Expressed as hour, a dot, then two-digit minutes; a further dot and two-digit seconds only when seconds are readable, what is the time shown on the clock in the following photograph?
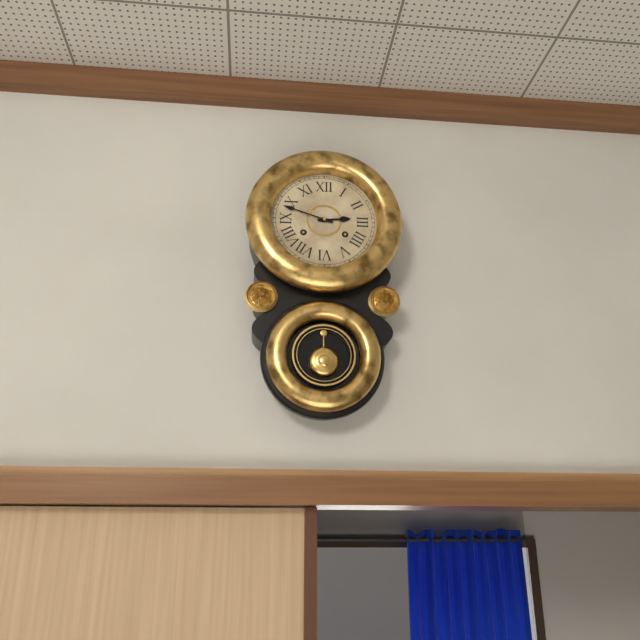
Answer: 2.48
